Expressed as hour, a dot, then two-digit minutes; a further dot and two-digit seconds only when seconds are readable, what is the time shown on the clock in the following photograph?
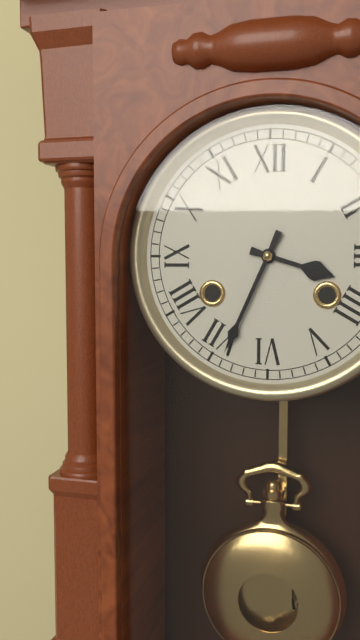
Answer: 3.34
